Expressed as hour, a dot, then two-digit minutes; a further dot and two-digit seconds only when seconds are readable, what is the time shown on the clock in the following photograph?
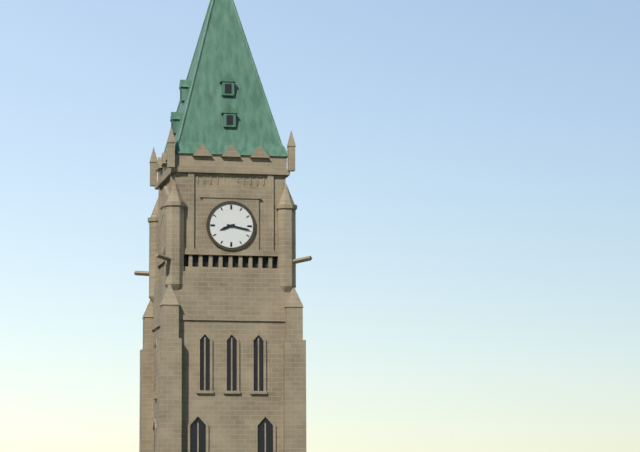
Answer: 8.17
